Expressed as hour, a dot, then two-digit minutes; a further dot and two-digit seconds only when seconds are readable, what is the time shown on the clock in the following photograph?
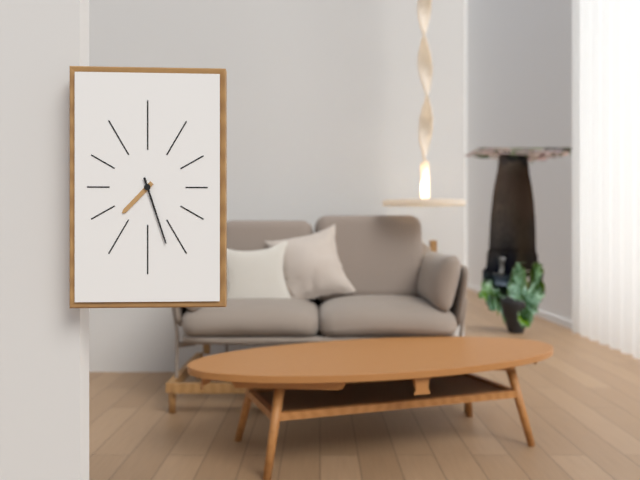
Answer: 7.27
